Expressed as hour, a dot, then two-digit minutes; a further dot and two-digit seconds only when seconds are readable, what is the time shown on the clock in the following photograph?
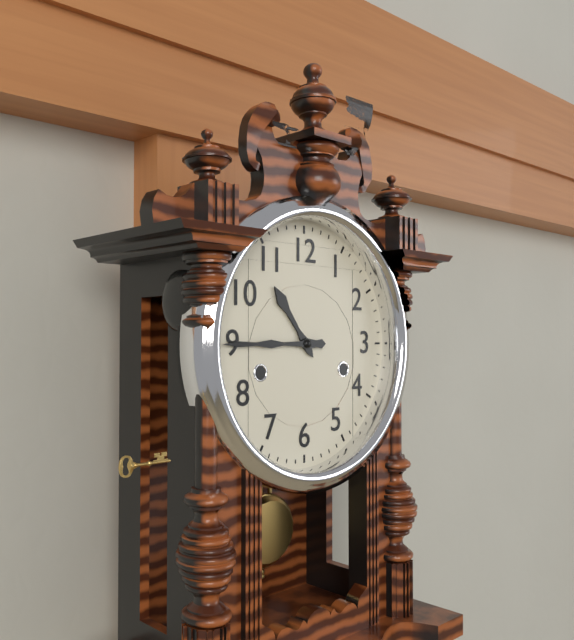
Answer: 10.45
